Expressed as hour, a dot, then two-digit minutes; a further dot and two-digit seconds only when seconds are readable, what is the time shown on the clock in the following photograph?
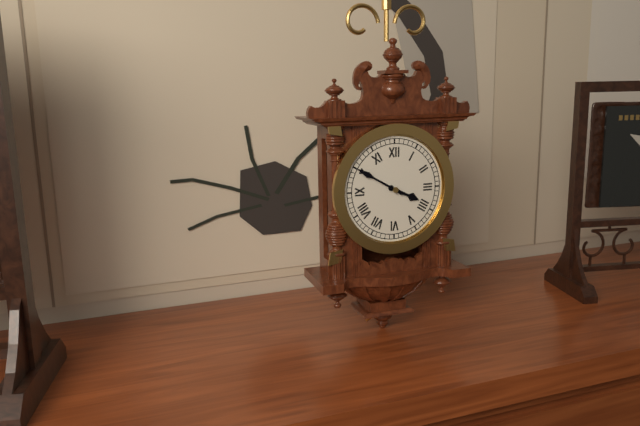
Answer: 3.50
